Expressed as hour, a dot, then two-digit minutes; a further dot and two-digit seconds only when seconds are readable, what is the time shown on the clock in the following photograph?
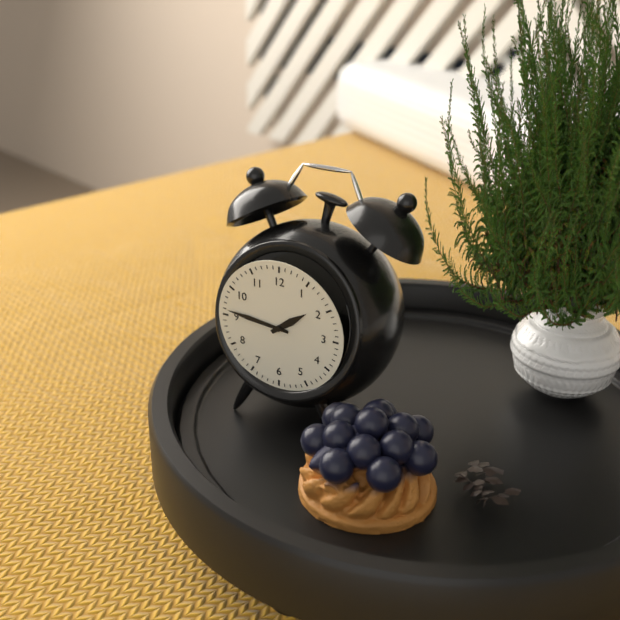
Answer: 1.46
